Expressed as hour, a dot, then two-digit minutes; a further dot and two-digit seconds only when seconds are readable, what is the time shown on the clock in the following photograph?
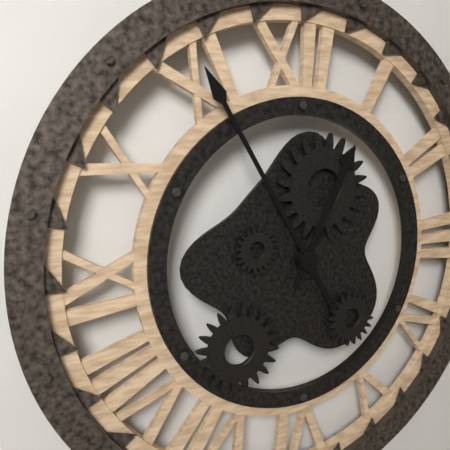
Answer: 12.55
